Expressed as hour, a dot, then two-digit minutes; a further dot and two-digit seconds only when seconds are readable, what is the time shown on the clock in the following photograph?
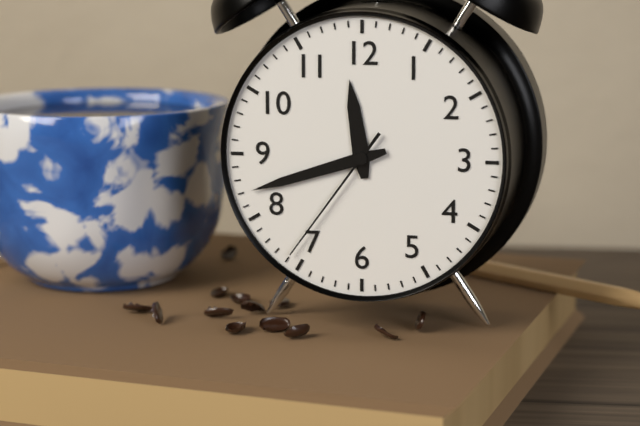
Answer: 11.42.36
